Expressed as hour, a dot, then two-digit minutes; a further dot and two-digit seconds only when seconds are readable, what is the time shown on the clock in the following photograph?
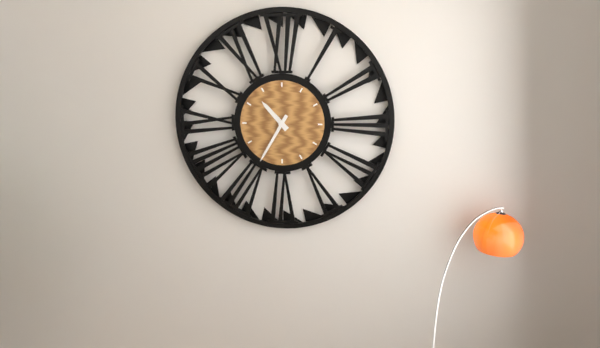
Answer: 10.35
